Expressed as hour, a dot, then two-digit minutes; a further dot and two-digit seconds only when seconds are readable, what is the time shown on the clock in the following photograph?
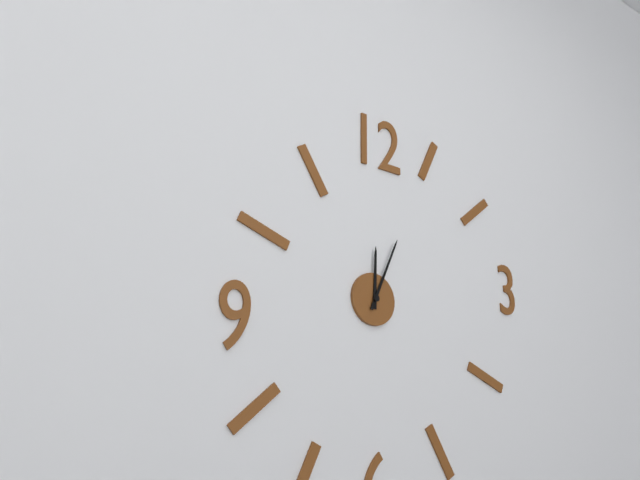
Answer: 12.04
